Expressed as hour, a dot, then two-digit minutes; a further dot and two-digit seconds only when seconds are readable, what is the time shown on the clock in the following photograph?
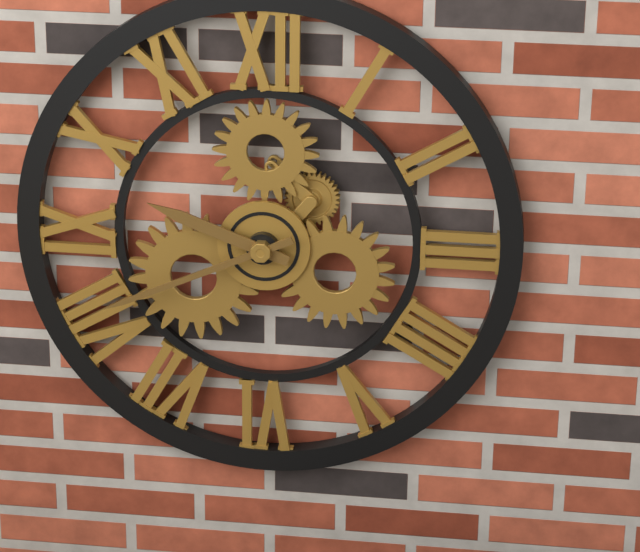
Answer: 9.41
